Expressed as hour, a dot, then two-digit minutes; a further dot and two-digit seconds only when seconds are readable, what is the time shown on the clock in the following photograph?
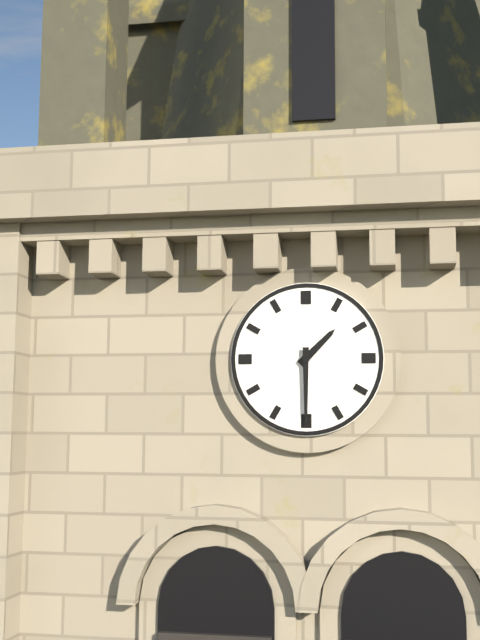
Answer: 1.30
